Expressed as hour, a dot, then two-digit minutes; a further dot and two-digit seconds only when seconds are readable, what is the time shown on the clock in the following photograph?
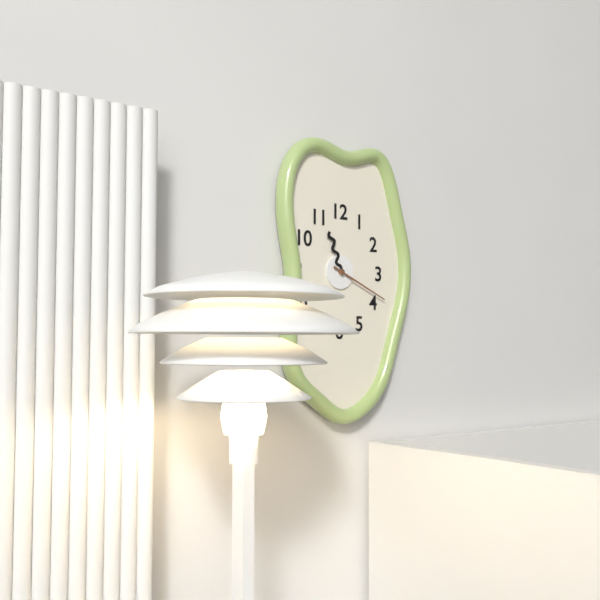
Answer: 11.19
